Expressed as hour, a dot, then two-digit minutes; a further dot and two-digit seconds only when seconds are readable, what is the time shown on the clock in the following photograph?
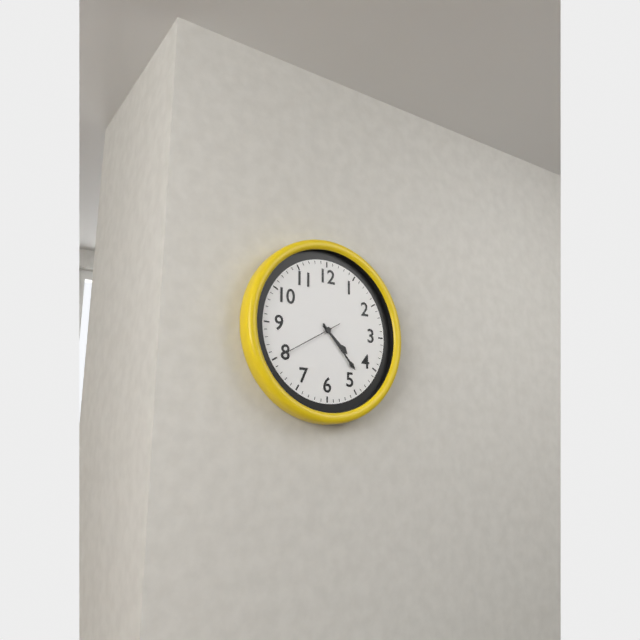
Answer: 4.23.40
